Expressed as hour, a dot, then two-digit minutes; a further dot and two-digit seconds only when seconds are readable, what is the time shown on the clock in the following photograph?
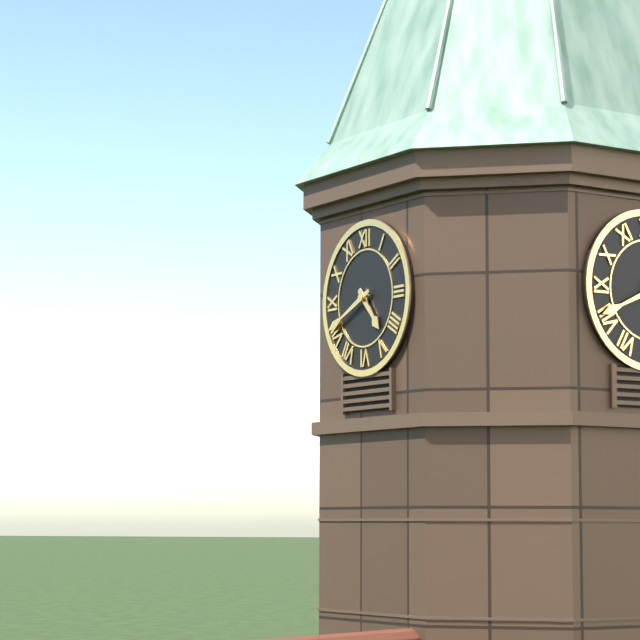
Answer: 4.41
